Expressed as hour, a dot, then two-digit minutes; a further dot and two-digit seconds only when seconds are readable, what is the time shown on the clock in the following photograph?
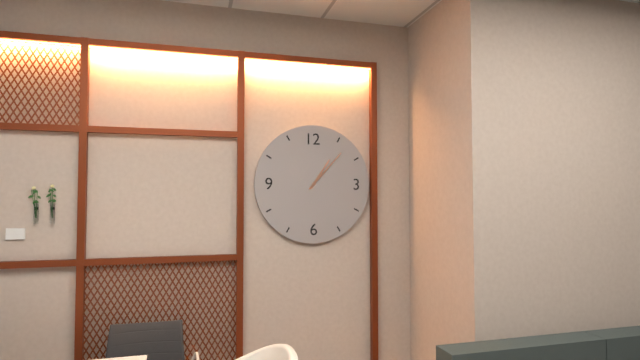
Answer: 1.07
